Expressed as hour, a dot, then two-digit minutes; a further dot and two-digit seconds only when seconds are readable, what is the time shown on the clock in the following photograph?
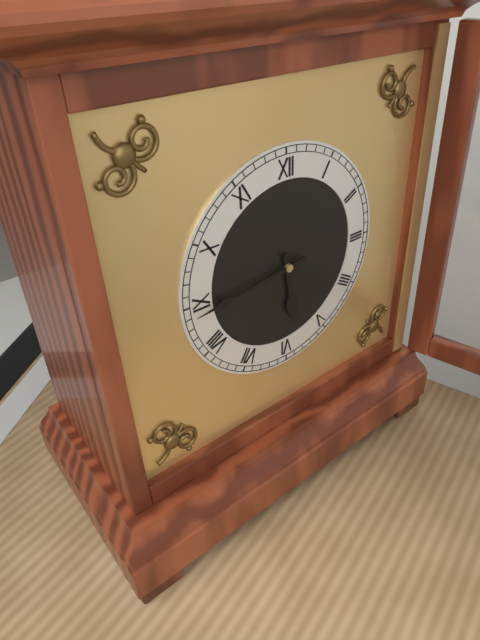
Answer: 5.44
